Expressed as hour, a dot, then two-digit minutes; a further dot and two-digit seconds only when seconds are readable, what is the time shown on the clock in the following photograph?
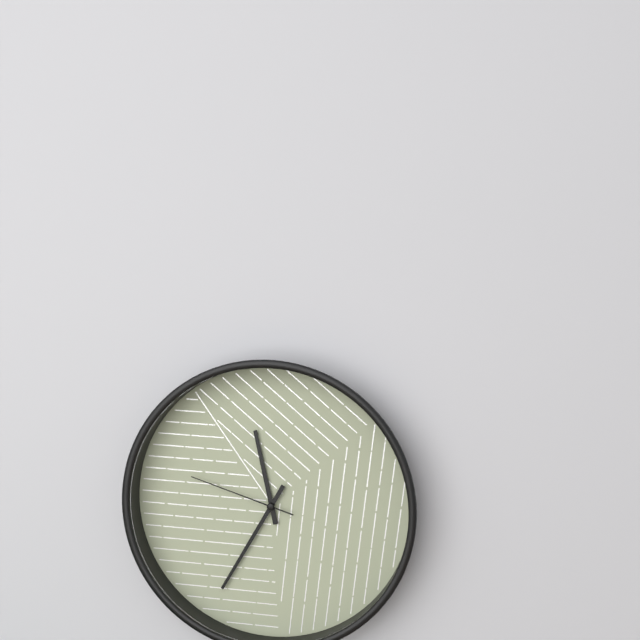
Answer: 11.35.48
